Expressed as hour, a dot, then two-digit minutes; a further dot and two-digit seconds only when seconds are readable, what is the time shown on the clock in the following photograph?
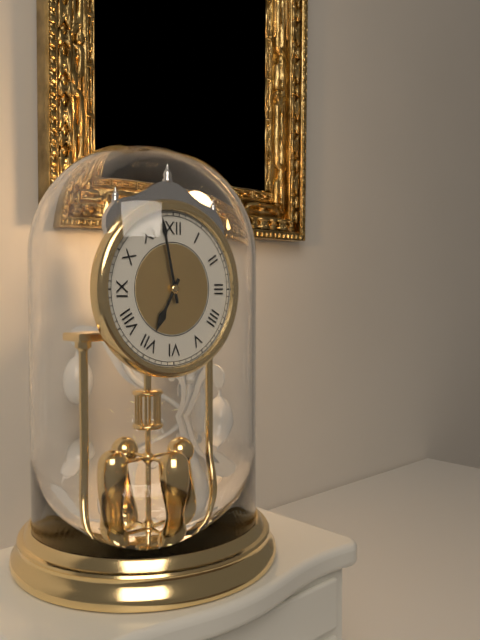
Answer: 6.58
